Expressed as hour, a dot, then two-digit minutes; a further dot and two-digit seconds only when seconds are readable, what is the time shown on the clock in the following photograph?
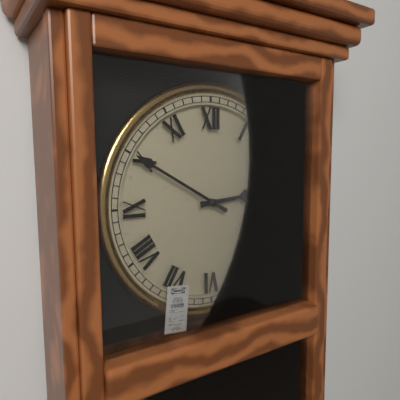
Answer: 2.50
